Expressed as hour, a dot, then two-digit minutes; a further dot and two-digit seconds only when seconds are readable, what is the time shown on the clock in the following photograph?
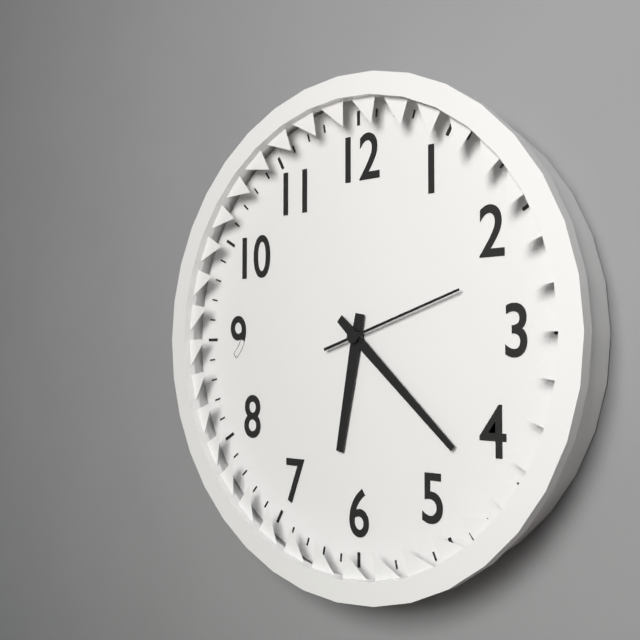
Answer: 6.22.12
